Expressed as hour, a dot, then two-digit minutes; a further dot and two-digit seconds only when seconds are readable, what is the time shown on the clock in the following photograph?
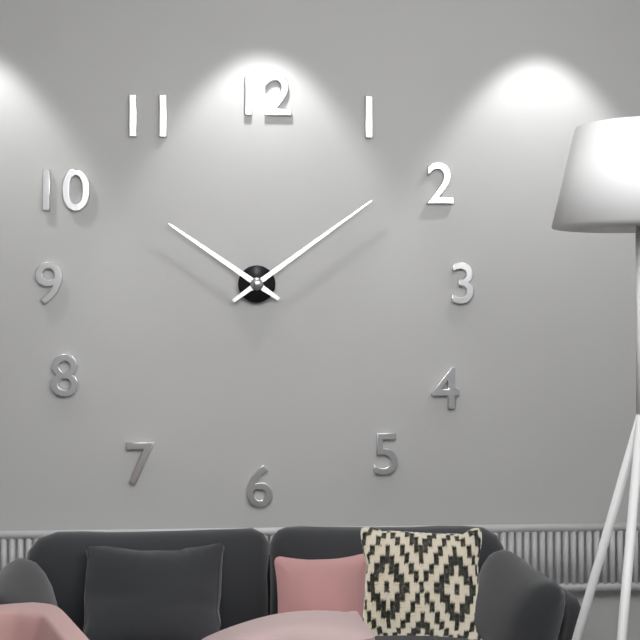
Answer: 10.09
